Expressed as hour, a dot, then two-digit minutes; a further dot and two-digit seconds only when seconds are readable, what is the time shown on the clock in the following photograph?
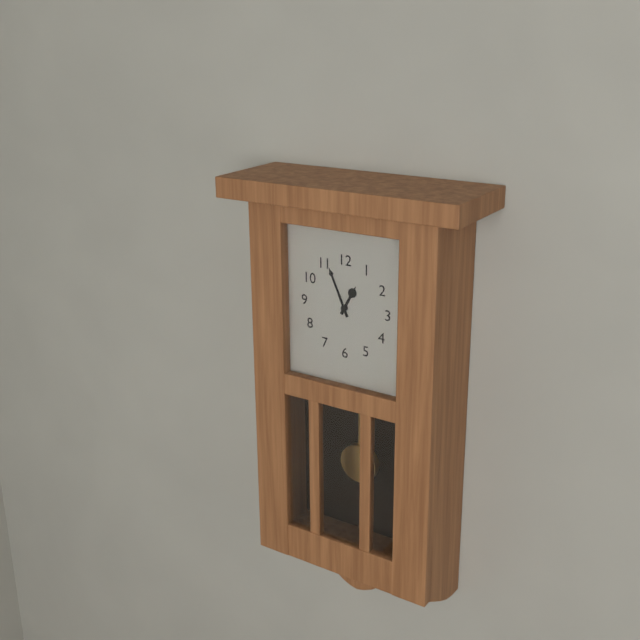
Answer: 12.56
